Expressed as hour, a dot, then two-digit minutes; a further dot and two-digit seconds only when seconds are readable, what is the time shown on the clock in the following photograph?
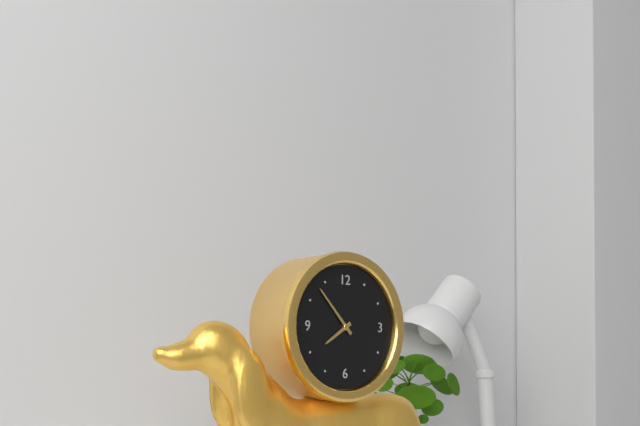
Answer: 7.53
